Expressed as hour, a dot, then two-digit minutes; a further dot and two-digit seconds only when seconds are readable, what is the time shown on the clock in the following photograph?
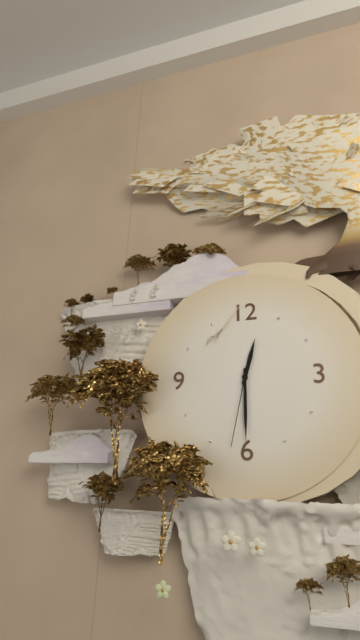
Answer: 12.30.32
